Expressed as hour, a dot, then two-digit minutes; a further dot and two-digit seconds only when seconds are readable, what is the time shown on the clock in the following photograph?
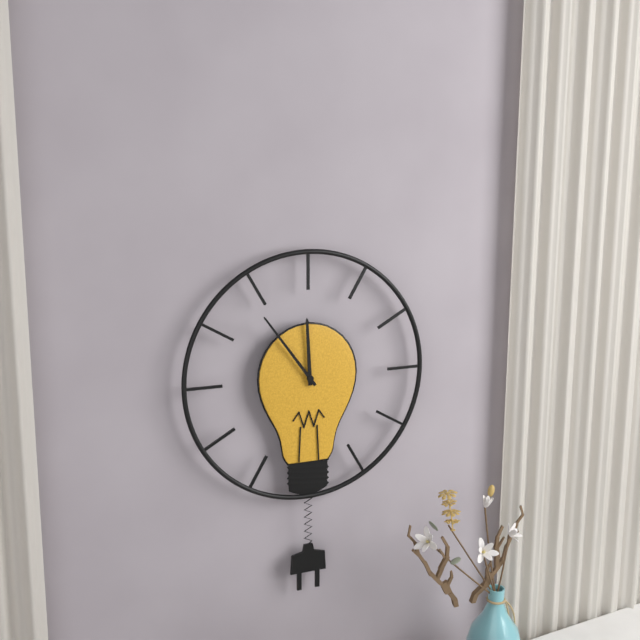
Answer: 11.54
